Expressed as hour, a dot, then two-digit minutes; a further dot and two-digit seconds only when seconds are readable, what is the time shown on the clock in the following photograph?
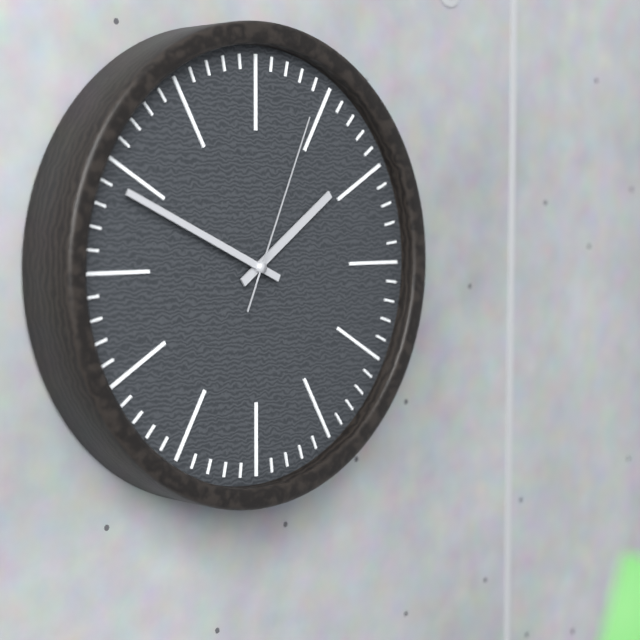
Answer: 1.49.04
